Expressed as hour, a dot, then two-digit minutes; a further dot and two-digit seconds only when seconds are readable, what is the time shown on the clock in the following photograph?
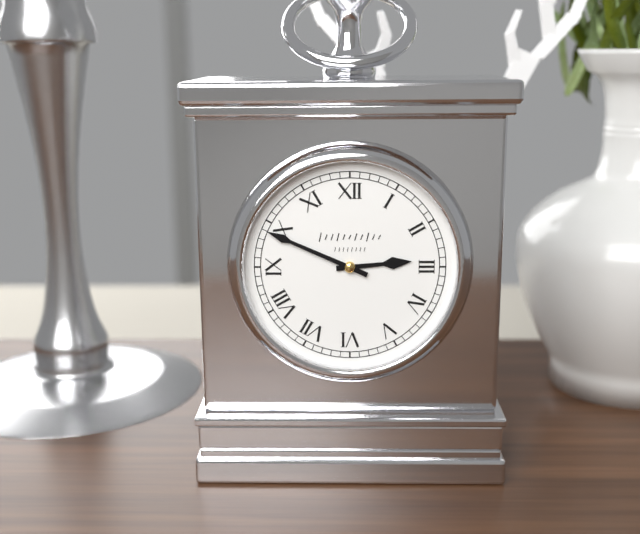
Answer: 2.49
